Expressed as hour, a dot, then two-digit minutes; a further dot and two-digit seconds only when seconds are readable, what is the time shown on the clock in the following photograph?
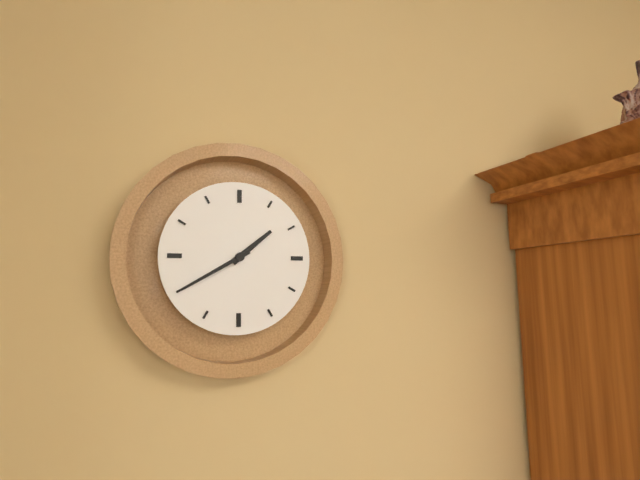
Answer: 1.40
